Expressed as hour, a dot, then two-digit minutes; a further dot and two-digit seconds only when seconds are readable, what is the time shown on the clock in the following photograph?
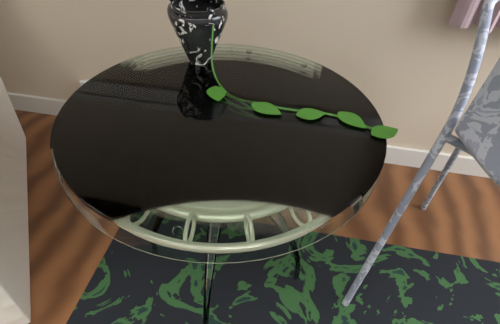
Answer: 4.40
